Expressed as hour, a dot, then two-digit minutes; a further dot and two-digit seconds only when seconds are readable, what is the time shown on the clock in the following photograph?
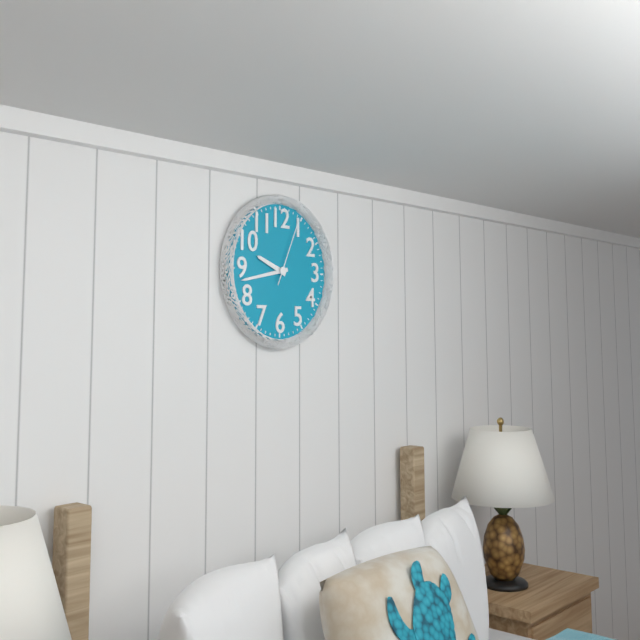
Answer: 9.43.04
